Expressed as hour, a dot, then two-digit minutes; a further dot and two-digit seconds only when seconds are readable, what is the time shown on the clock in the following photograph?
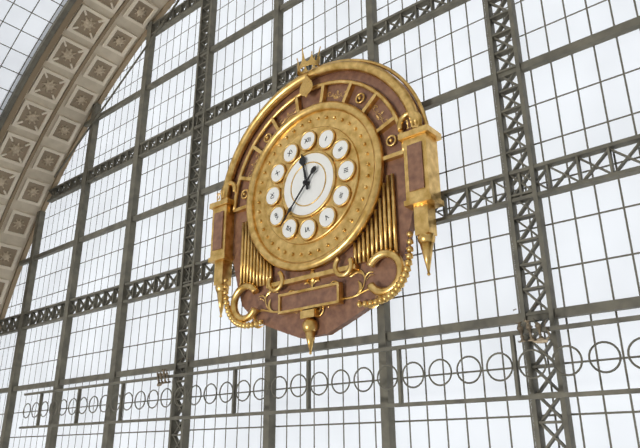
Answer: 11.37
